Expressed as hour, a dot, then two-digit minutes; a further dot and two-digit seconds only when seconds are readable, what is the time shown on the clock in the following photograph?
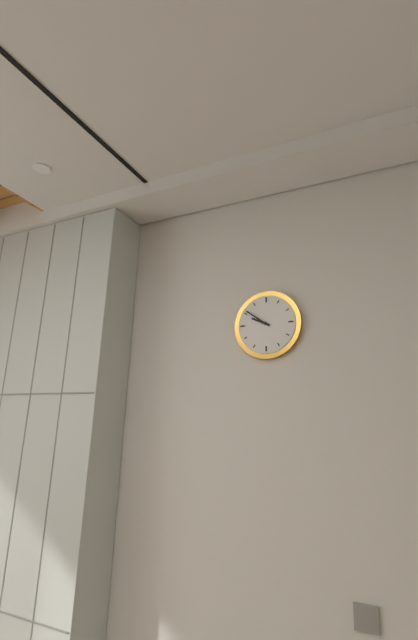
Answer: 9.51
